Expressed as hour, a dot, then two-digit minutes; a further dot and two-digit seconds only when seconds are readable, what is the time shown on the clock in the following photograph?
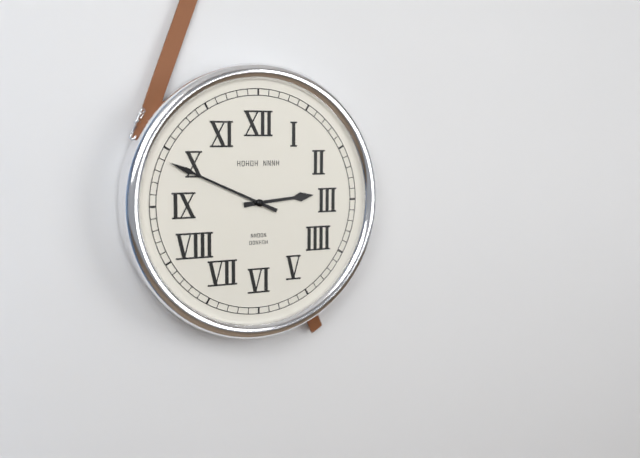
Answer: 2.49
